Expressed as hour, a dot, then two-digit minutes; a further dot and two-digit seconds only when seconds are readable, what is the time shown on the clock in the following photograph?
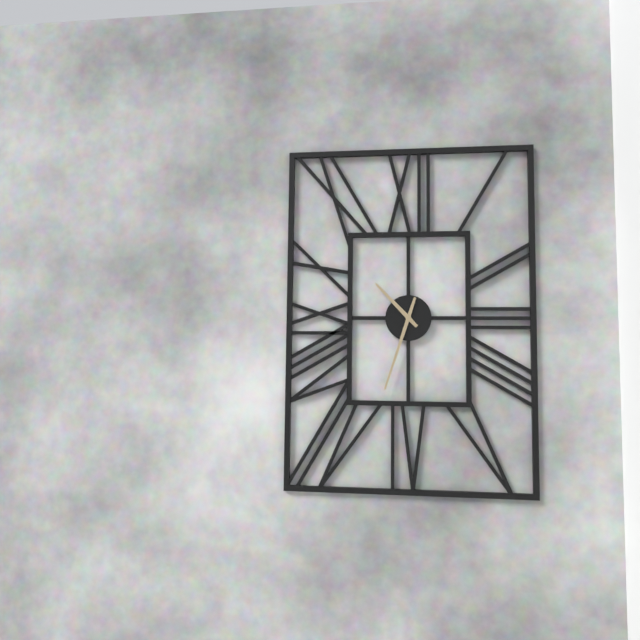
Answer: 10.33
